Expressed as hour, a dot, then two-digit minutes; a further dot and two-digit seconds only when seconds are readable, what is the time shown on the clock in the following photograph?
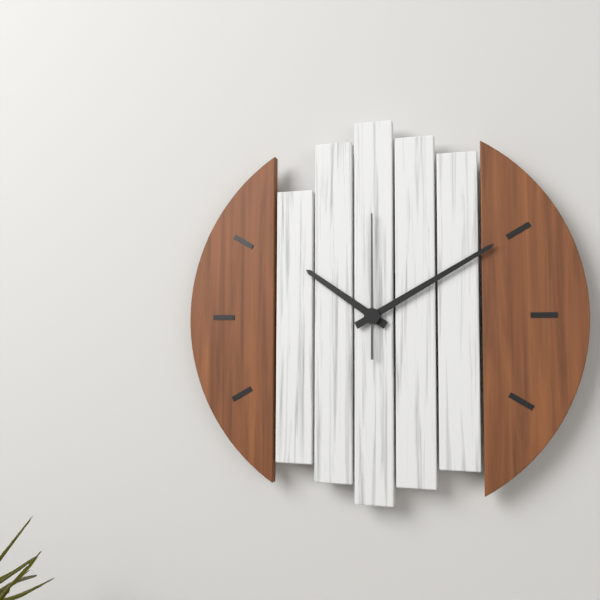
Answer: 10.10.00
